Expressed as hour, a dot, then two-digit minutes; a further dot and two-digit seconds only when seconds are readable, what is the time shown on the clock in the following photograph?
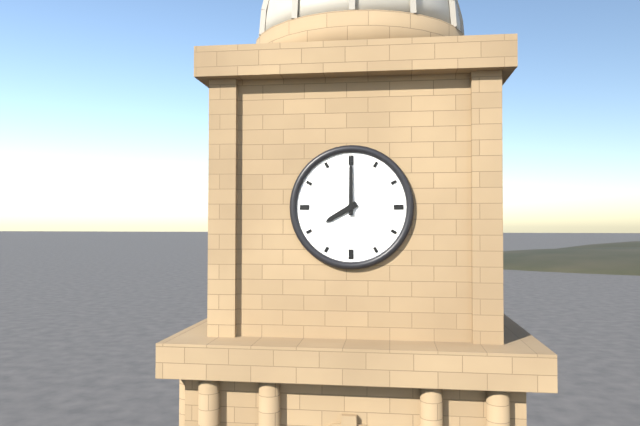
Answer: 8.00
